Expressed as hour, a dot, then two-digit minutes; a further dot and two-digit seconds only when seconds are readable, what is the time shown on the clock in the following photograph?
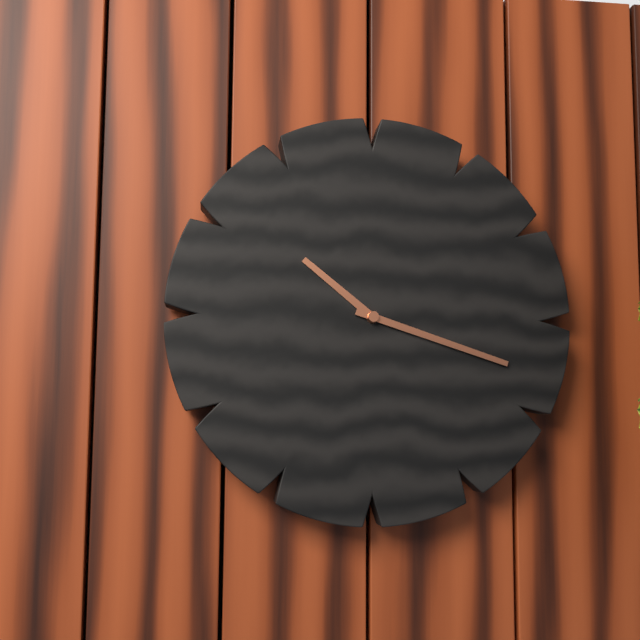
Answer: 10.18
